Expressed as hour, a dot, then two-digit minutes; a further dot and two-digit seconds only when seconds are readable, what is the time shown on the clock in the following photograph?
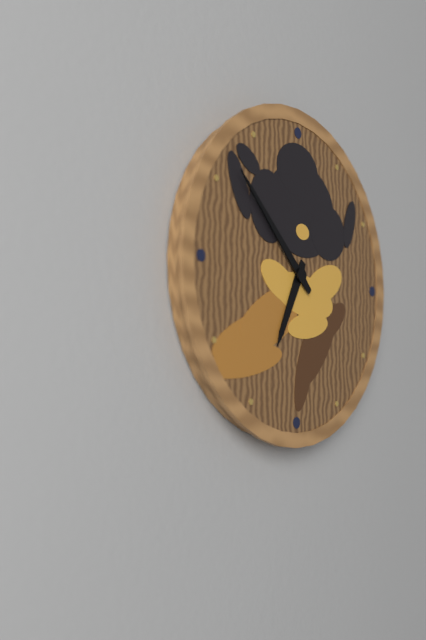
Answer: 6.52
